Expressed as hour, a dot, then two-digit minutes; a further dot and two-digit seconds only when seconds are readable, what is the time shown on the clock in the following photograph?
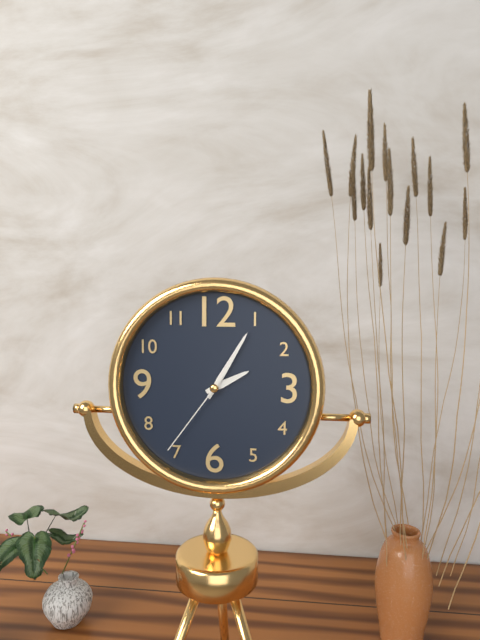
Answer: 2.05.36
